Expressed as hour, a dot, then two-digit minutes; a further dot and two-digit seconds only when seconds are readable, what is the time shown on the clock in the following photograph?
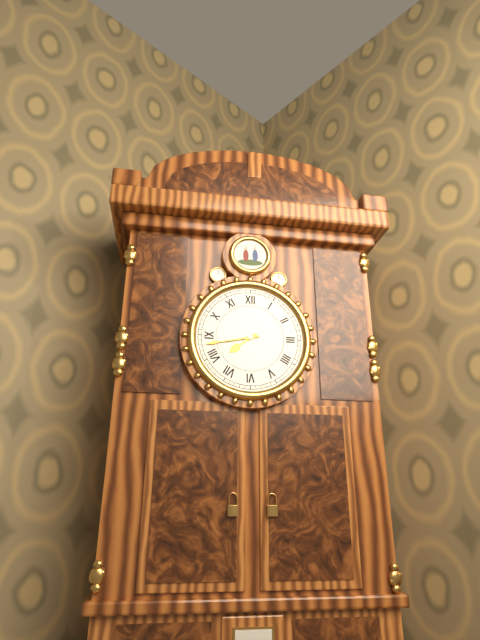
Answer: 7.43
